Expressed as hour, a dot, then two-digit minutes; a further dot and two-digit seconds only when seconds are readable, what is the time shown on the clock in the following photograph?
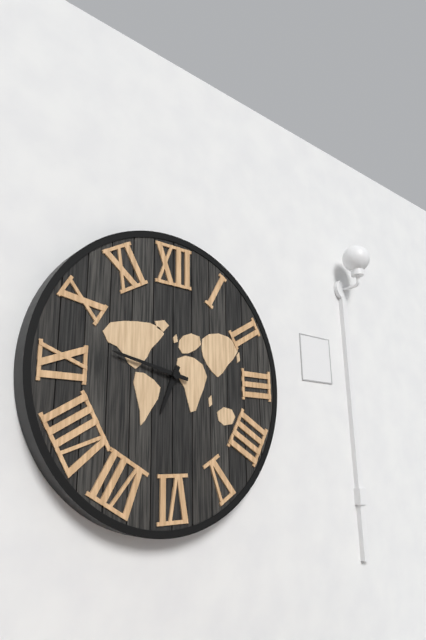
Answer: 6.47
